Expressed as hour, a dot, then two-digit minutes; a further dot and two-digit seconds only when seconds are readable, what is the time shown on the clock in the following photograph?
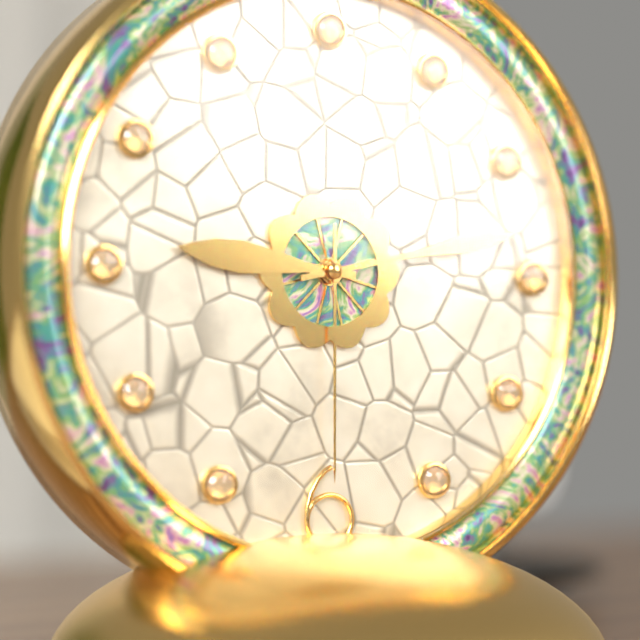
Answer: 9.13.30
